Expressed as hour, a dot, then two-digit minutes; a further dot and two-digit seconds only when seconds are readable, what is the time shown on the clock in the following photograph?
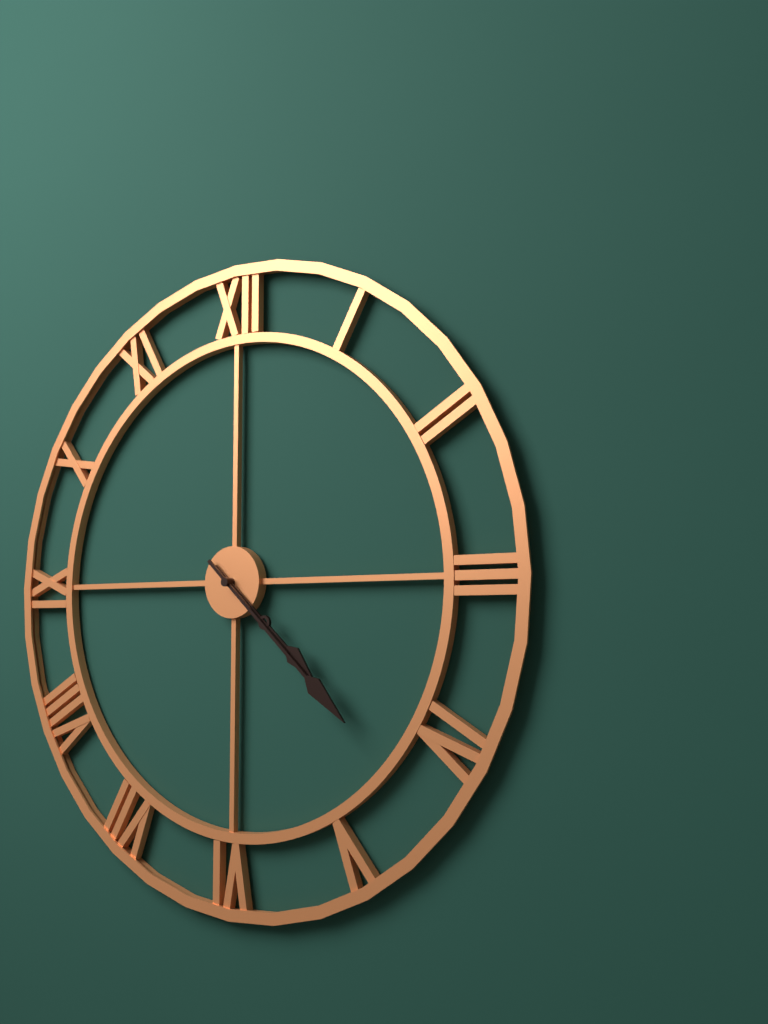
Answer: 4.22
